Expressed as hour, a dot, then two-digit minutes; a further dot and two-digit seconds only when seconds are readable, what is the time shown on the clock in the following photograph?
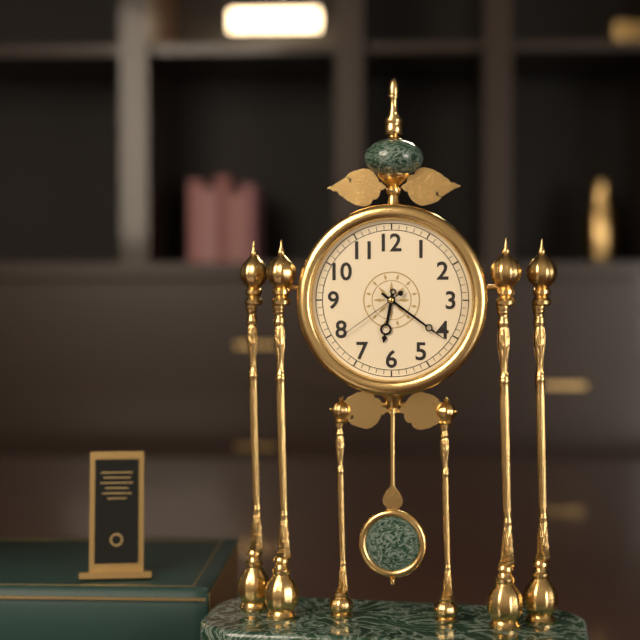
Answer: 6.21.39
